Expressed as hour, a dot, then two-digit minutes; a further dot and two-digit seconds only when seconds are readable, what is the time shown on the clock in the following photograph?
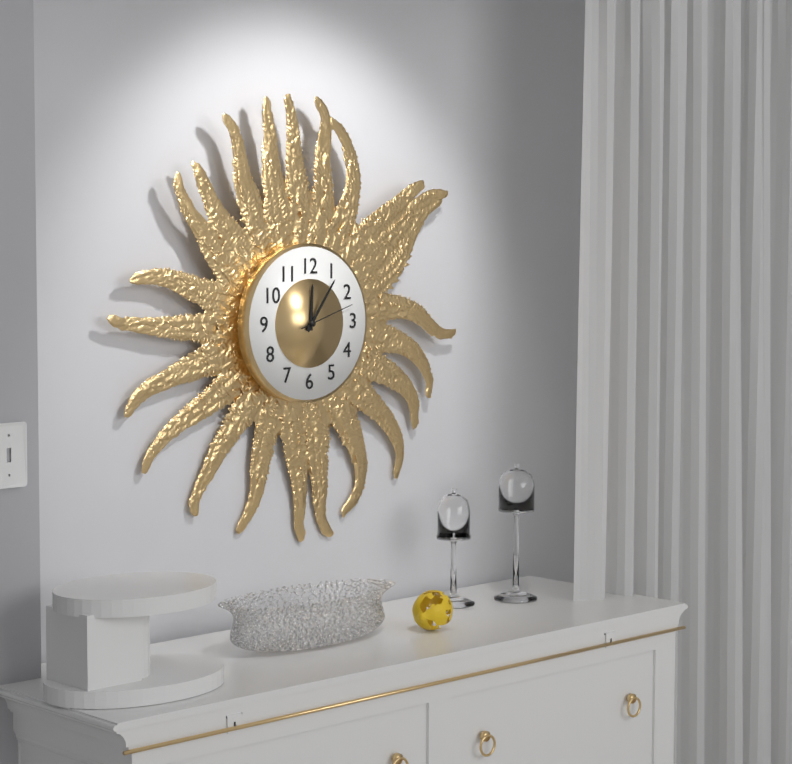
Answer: 12.06.12
